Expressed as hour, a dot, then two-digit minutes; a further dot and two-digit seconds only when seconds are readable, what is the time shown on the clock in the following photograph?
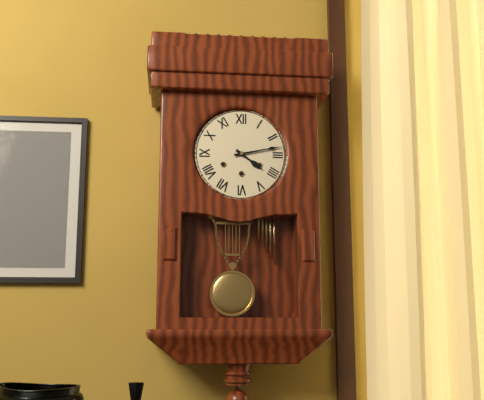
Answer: 4.13
